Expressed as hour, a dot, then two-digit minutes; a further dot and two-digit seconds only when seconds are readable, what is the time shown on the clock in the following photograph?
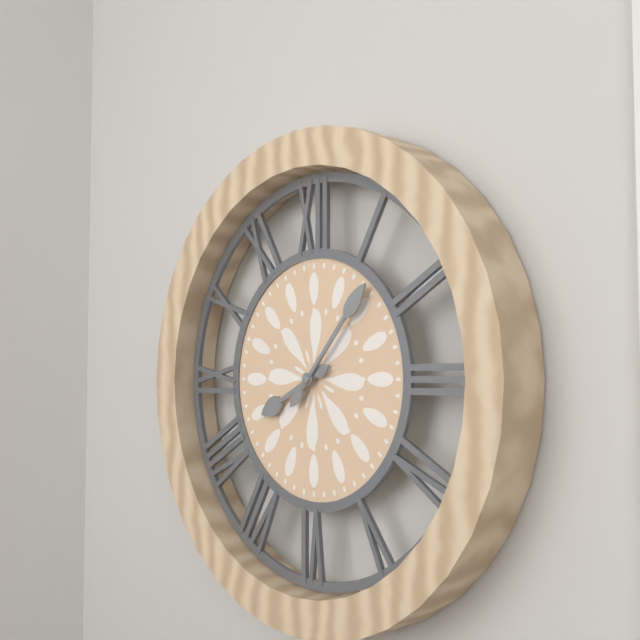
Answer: 8.07
